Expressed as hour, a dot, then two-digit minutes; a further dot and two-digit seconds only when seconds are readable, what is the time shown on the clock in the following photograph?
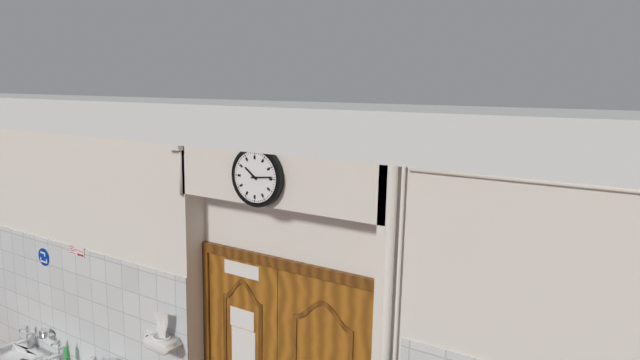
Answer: 10.14
